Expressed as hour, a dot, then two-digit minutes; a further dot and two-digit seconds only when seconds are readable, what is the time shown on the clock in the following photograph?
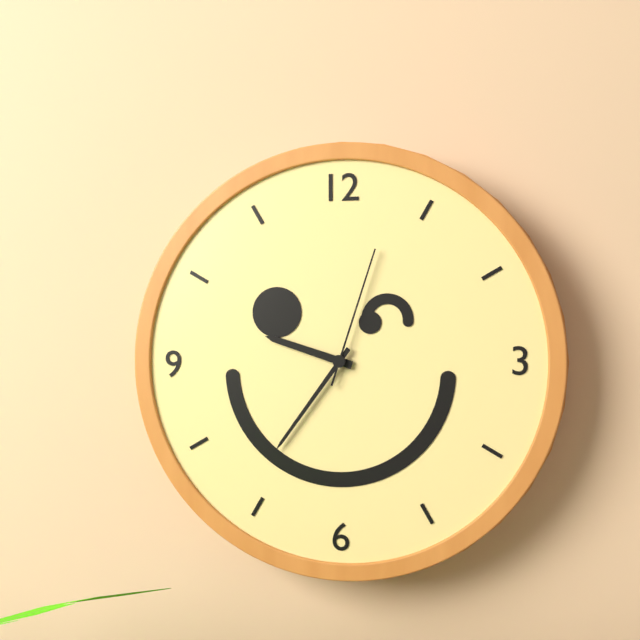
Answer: 9.36.03
